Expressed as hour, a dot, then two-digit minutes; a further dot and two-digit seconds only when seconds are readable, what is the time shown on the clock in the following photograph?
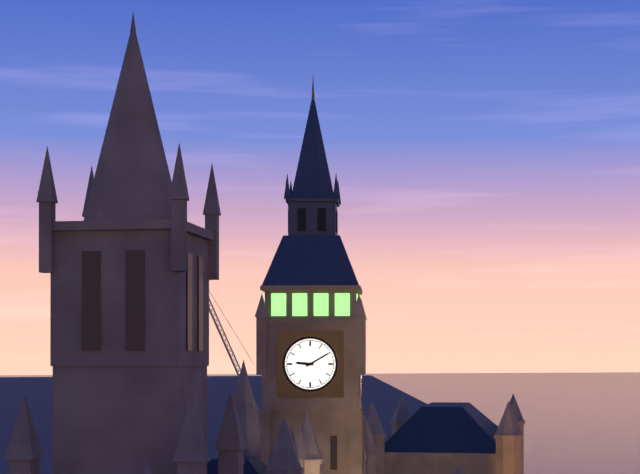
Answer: 9.10
